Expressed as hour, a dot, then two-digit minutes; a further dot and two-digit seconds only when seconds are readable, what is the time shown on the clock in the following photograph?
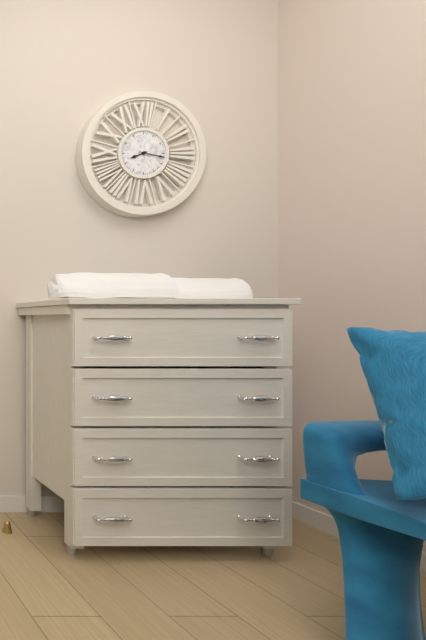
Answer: 8.17
